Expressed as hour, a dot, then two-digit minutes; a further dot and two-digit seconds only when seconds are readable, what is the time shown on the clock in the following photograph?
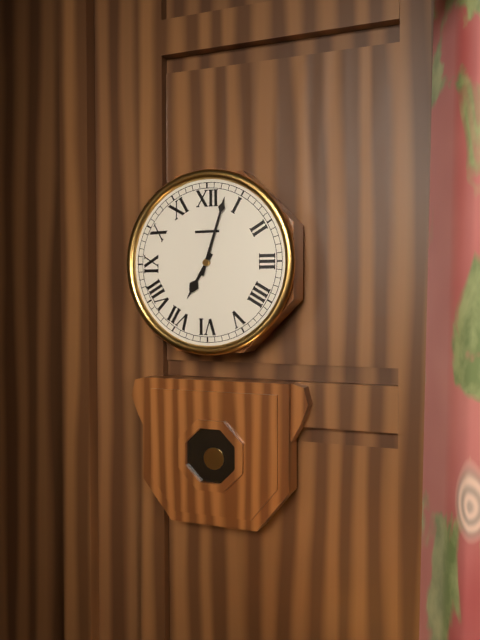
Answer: 7.03
